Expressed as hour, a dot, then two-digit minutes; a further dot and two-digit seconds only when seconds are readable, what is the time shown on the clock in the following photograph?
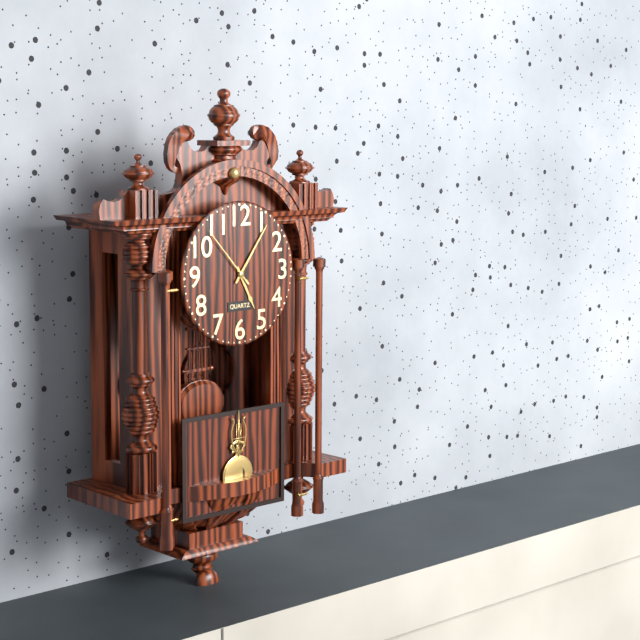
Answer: 5.06.53
